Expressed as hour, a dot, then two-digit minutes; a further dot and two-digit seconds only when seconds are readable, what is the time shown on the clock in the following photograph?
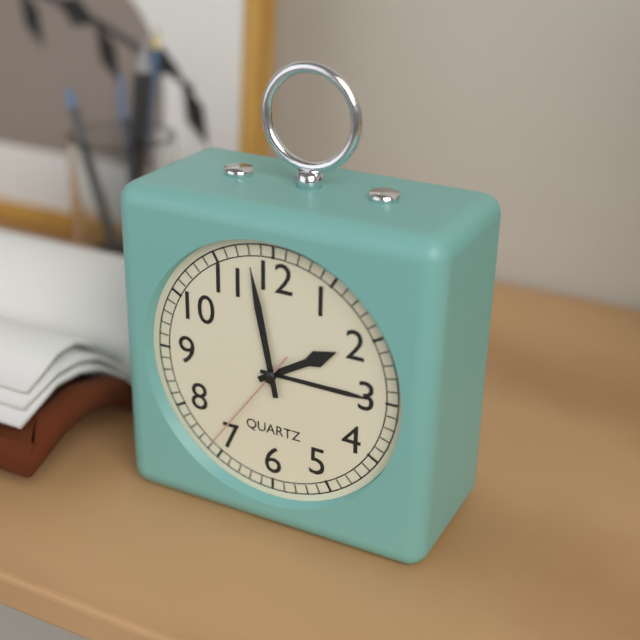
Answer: 1.58.36
